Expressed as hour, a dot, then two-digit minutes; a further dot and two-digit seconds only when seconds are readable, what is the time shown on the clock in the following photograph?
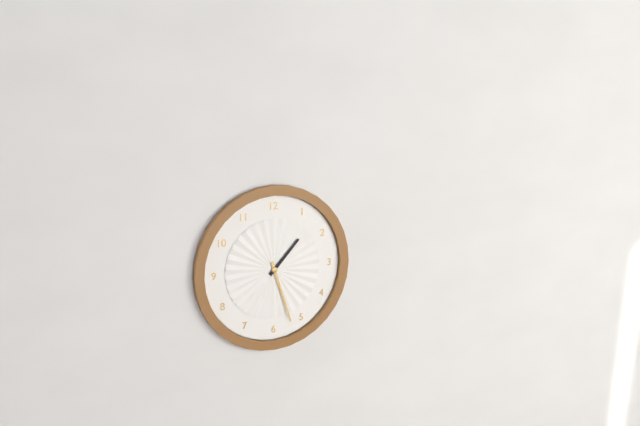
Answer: 1.27
